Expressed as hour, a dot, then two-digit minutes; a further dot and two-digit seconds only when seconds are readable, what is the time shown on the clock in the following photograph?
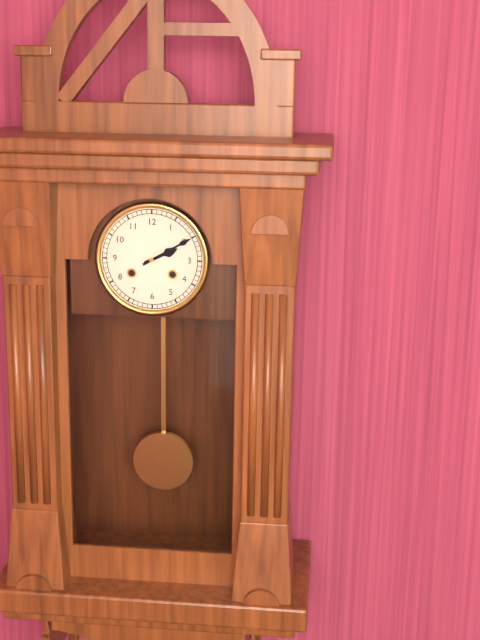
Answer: 2.10
